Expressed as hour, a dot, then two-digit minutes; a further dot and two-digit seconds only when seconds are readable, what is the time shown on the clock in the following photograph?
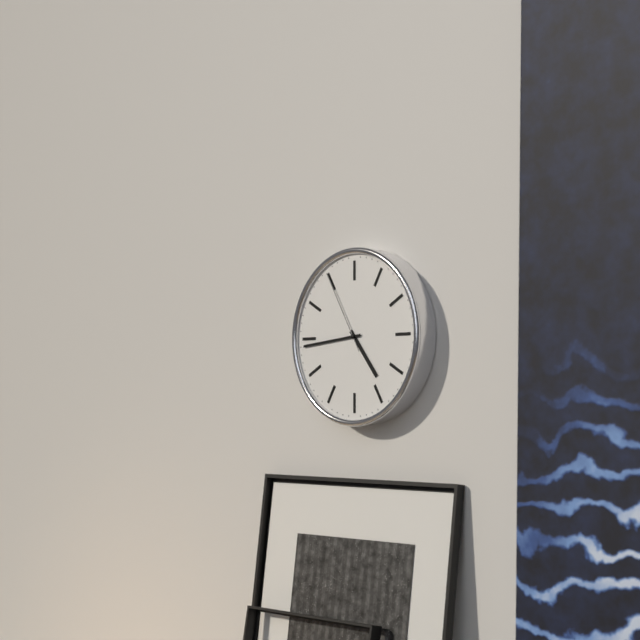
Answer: 4.44.55
